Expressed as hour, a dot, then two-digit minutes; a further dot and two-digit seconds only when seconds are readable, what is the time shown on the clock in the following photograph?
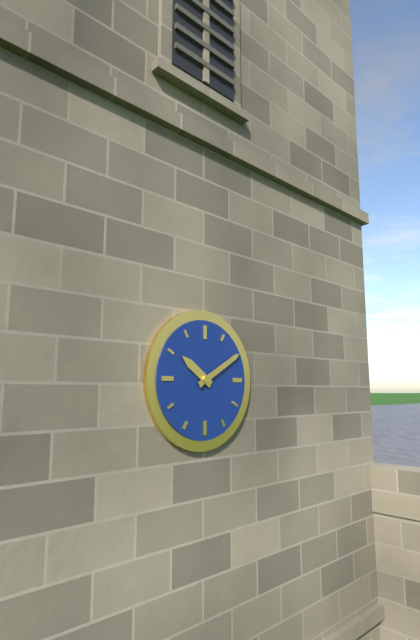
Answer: 10.10
